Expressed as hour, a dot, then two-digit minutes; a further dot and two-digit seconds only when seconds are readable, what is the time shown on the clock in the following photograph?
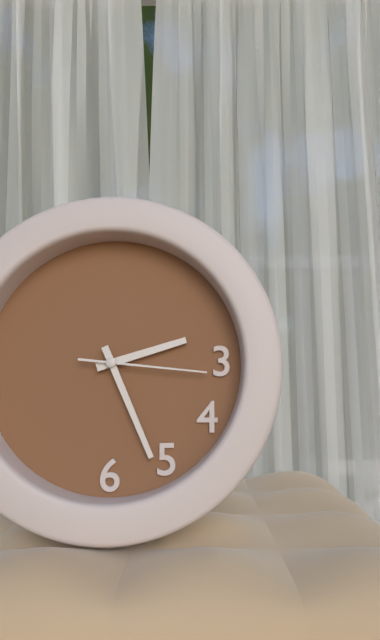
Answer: 2.26.16
